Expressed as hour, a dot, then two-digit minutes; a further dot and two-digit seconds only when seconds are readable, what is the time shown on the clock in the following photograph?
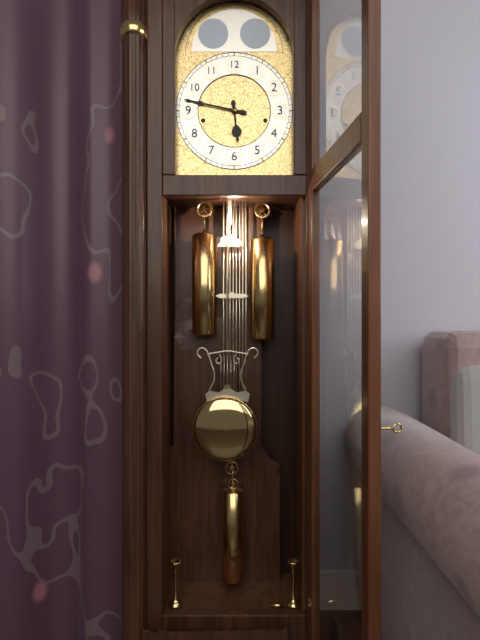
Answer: 5.47
